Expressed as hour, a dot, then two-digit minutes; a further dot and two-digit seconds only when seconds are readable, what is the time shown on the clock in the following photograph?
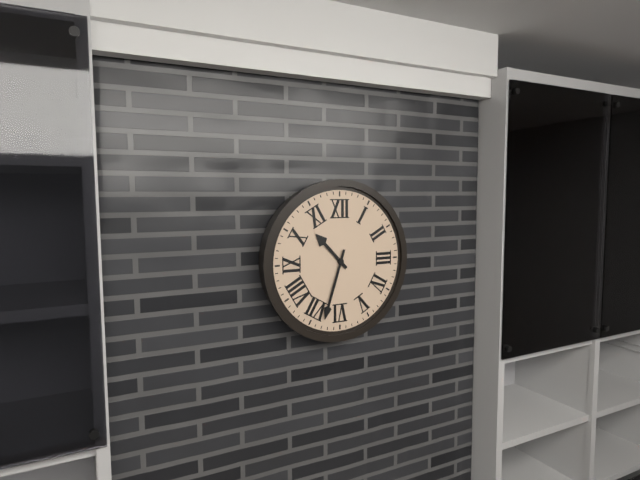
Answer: 10.33
